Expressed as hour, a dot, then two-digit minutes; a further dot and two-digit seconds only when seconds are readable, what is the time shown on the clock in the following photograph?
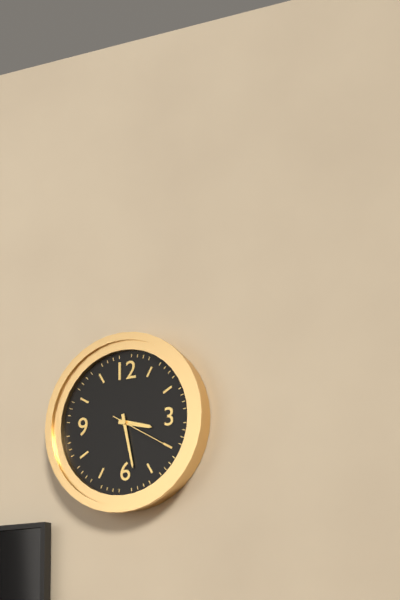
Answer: 3.28.20
